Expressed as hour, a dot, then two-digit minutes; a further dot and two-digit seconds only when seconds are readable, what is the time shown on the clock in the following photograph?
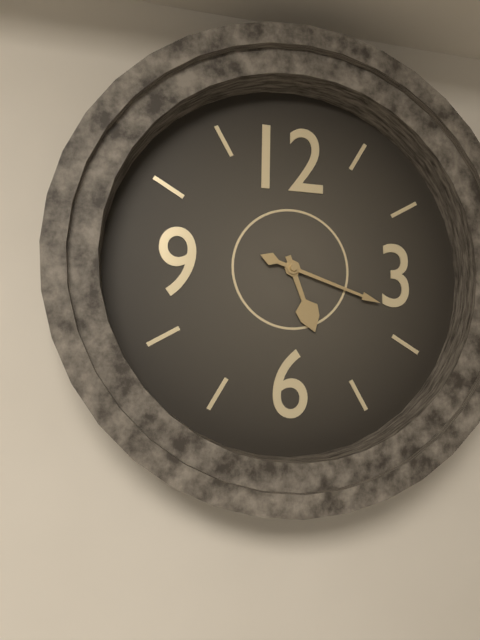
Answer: 5.18
